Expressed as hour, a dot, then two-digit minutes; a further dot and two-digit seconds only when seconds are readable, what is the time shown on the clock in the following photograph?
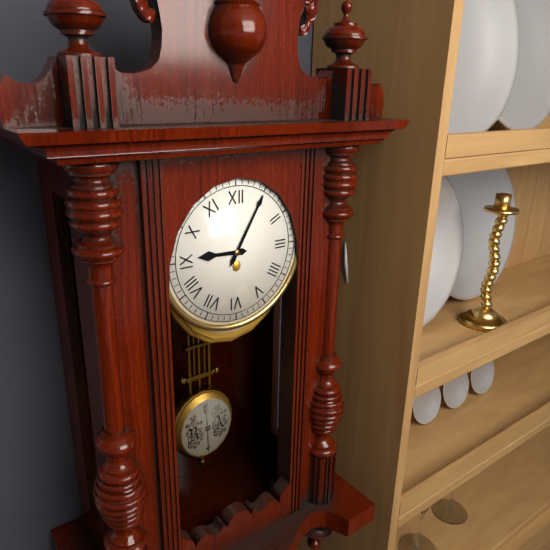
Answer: 9.05
